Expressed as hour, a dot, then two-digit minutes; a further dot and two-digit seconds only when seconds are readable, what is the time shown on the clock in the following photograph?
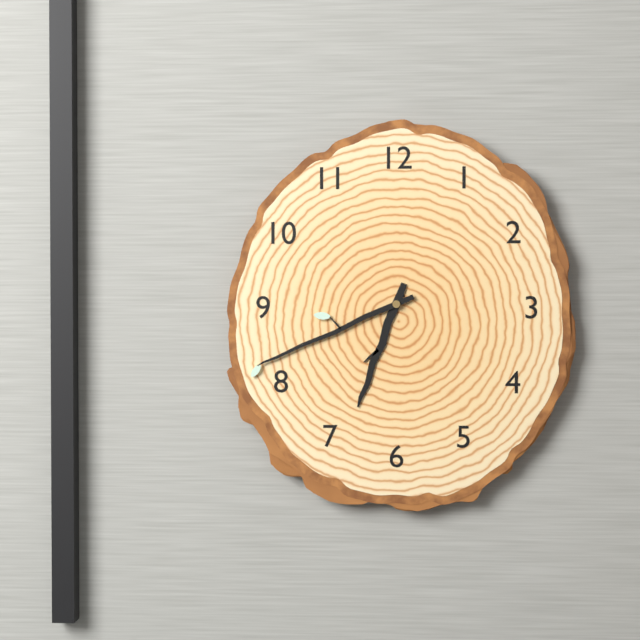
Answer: 6.41
